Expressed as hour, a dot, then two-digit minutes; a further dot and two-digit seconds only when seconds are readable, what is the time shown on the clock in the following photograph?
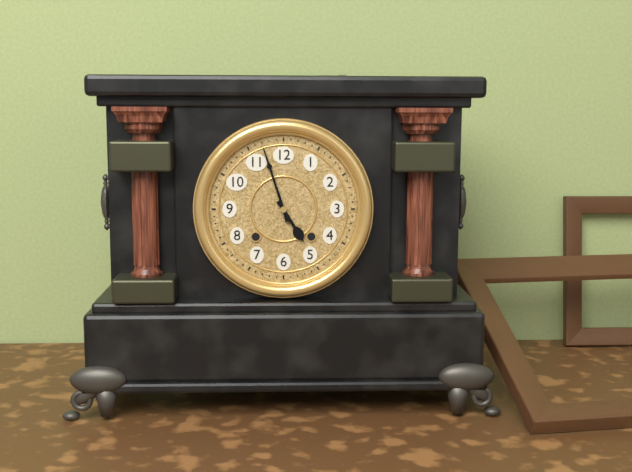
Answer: 4.57
